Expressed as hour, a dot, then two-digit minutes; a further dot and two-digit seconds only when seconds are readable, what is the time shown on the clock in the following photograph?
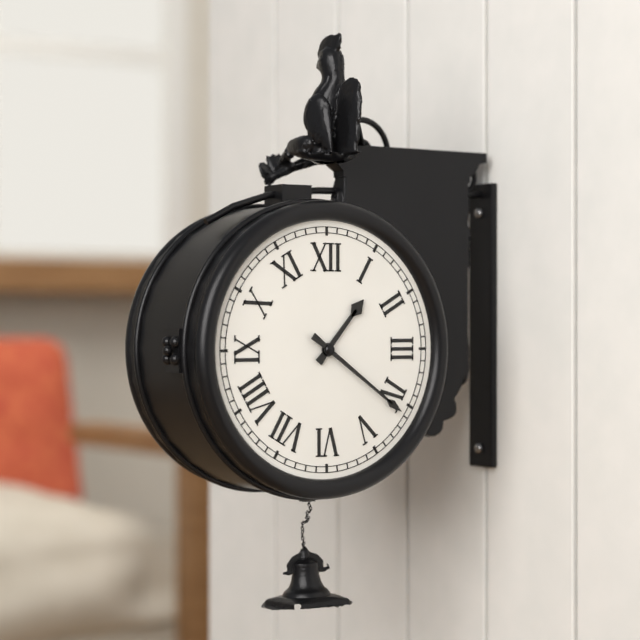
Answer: 1.21
